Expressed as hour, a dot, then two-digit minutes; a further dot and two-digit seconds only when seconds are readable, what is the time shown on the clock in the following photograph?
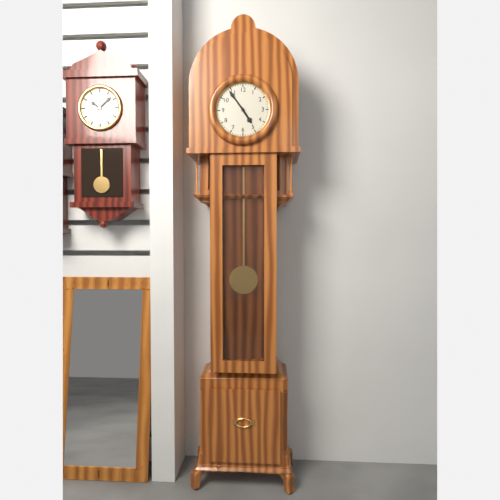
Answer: 4.54
